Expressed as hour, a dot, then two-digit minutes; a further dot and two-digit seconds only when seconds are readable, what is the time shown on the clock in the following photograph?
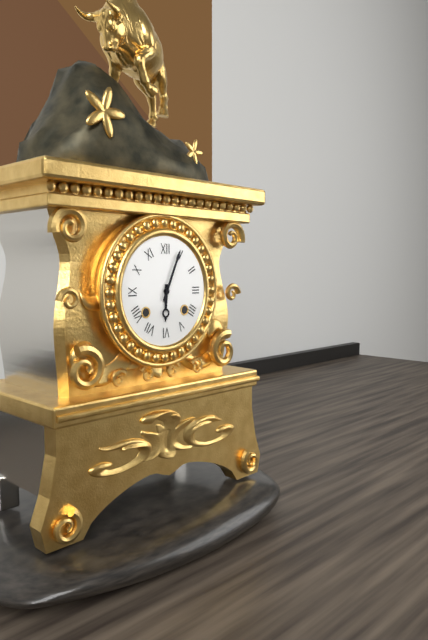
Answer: 6.04
